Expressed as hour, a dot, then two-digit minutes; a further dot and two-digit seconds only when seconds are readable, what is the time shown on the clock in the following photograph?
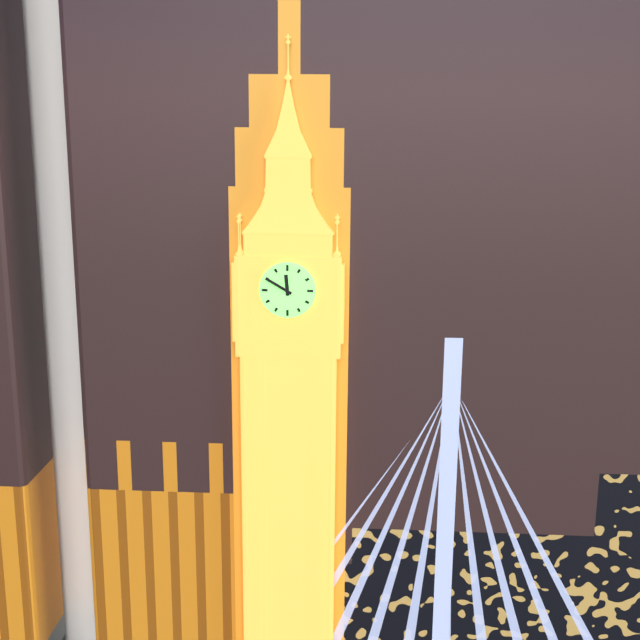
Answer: 11.50
